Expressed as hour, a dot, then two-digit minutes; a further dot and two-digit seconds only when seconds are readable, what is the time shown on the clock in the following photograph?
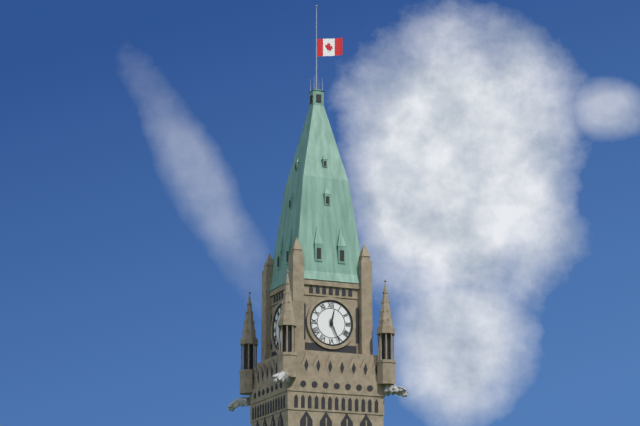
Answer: 12.26
